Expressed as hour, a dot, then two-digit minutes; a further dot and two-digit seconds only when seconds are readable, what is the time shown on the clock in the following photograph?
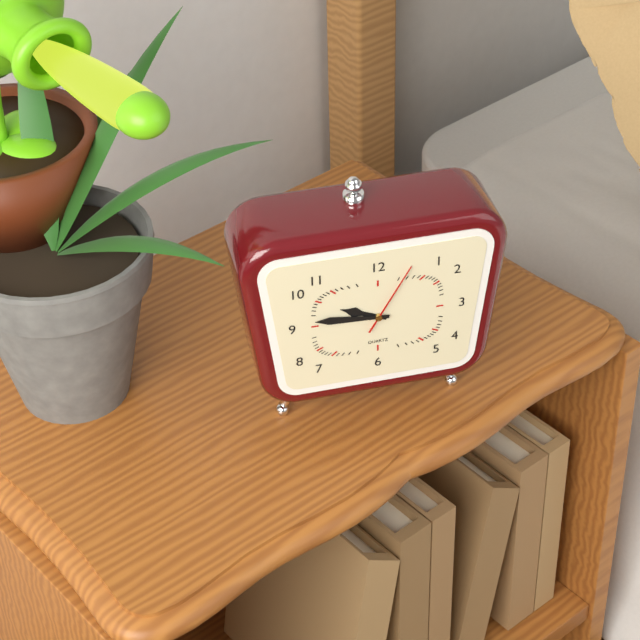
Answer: 9.46.05
